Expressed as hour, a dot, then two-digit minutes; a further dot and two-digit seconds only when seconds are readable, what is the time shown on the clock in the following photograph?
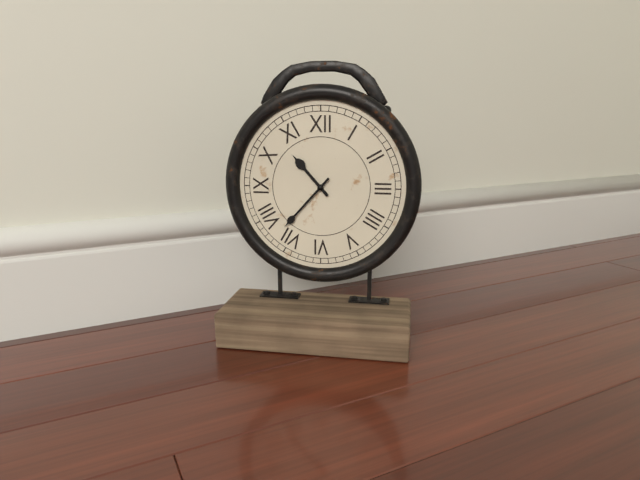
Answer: 10.37
